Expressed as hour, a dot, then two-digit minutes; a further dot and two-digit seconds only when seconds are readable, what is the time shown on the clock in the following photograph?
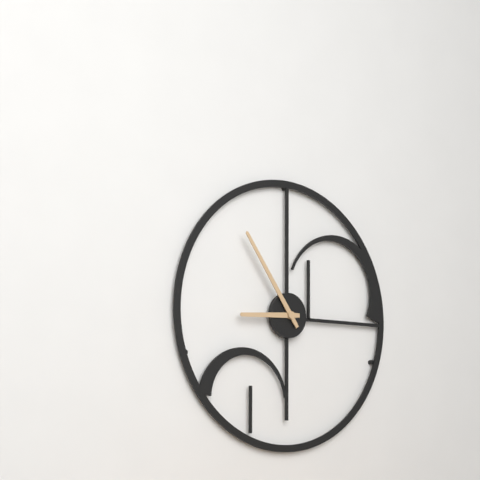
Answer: 8.54
